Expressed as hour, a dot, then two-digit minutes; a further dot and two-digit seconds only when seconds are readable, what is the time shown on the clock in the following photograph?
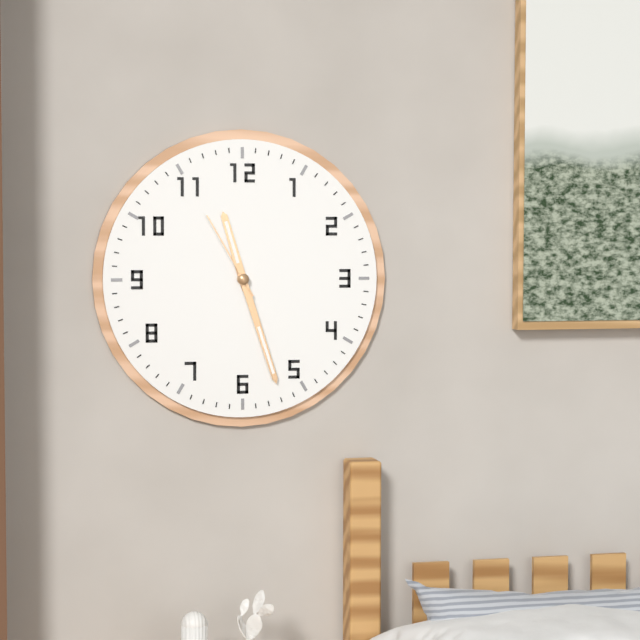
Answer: 11.27.55
